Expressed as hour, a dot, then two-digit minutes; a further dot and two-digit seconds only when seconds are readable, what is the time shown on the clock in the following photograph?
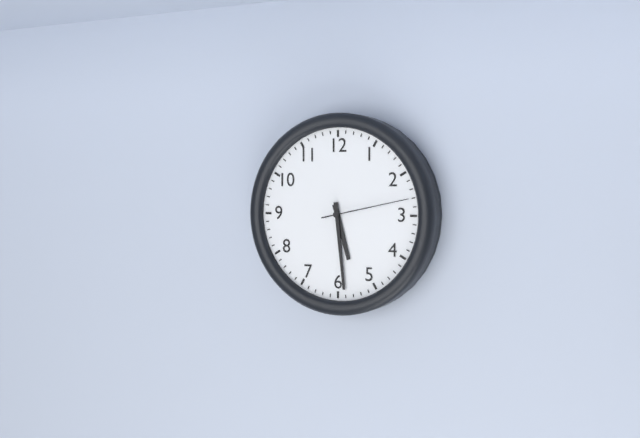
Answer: 5.29.13
